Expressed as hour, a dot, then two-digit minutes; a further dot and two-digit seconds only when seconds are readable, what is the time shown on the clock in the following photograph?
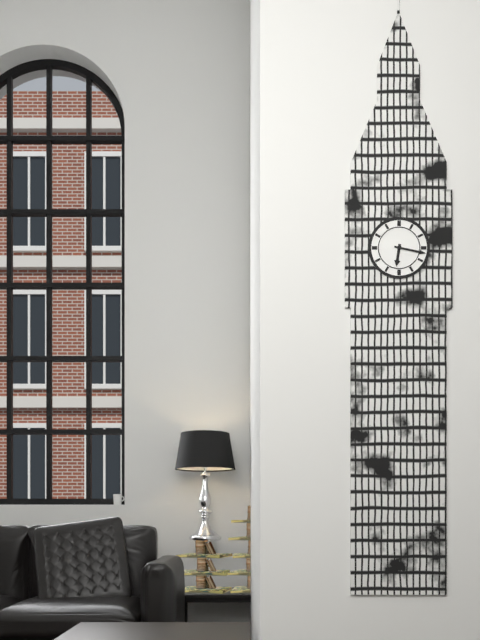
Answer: 6.17
